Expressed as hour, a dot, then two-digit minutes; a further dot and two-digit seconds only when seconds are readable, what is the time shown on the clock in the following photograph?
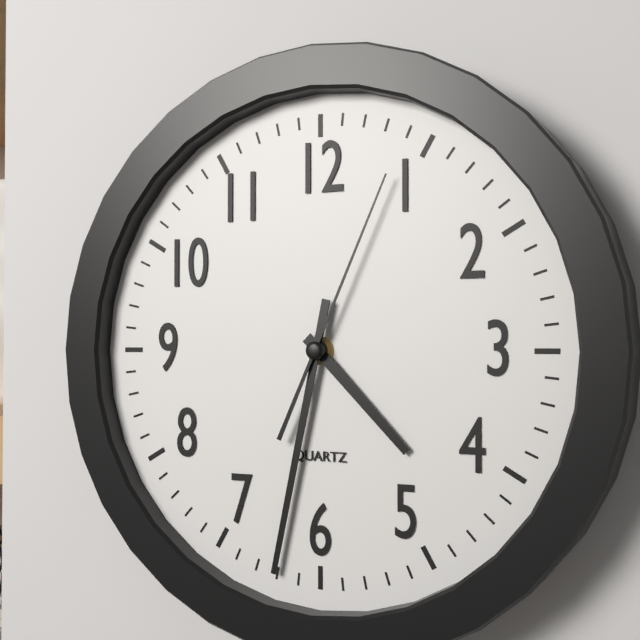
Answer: 4.32.04
